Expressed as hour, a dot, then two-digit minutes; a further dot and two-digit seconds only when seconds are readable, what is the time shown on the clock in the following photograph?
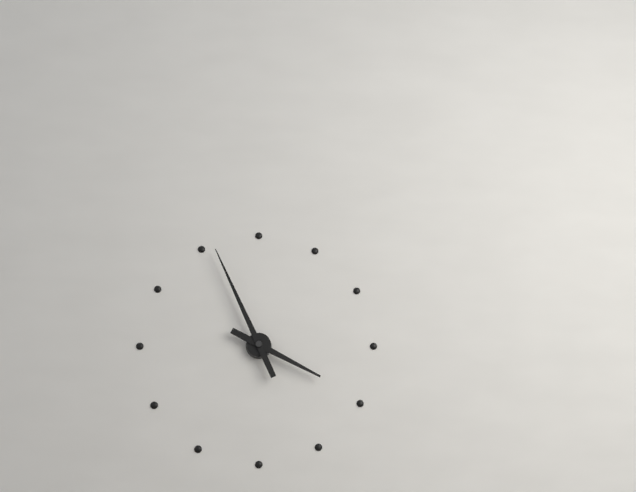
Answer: 3.56
